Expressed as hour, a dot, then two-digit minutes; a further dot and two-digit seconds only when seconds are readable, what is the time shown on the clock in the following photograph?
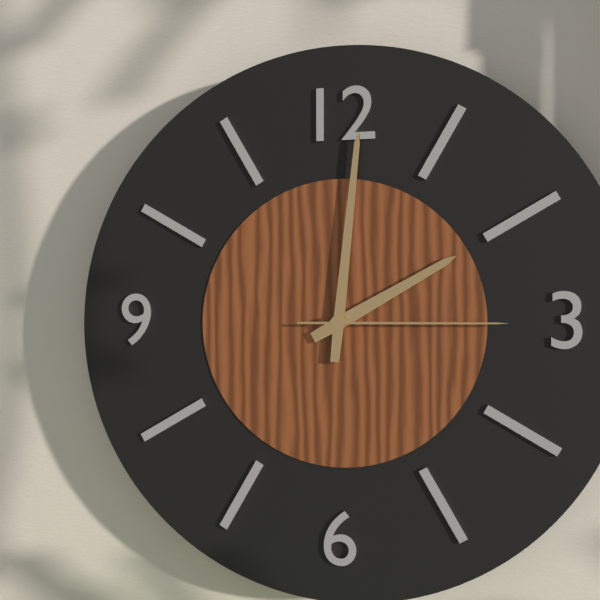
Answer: 2.01.15
